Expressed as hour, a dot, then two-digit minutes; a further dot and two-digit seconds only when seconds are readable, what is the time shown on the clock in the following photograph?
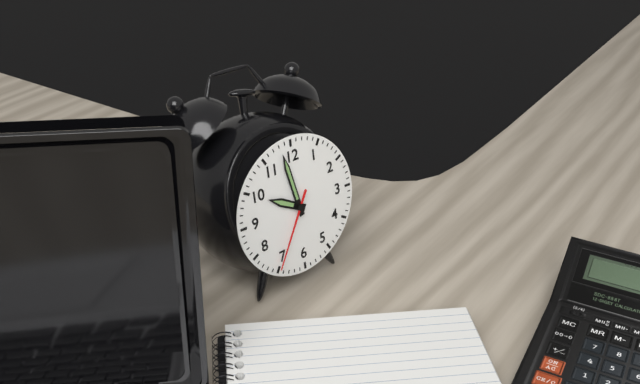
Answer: 9.58.35
